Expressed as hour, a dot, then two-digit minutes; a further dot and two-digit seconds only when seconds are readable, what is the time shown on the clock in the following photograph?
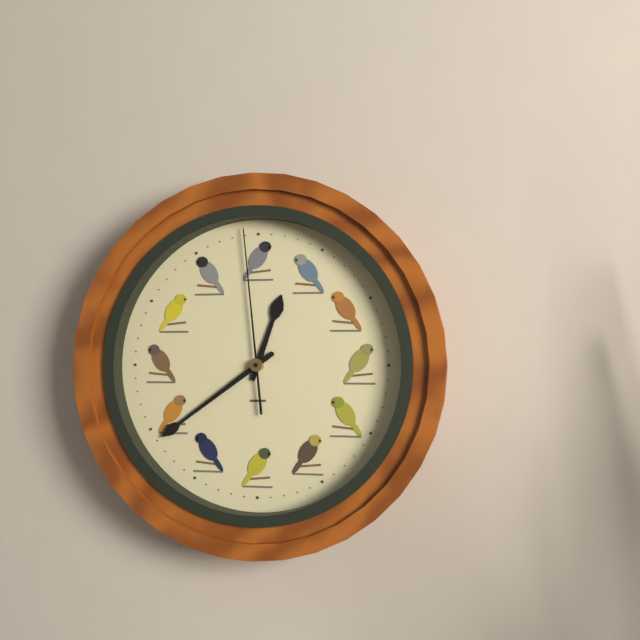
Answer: 12.39.59
